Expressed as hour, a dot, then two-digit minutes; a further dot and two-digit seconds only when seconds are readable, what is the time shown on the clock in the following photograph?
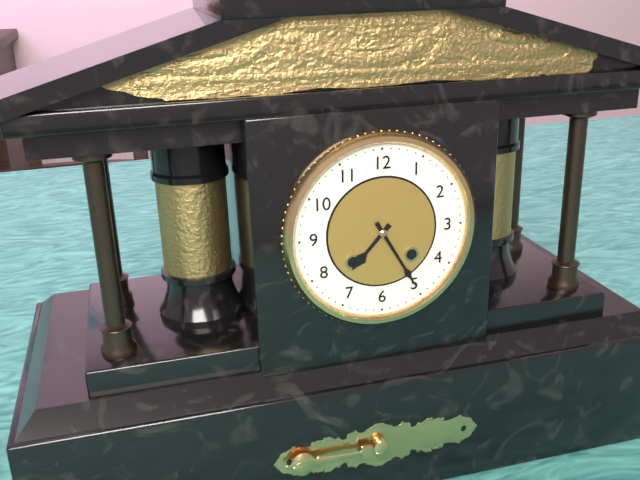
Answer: 7.25
